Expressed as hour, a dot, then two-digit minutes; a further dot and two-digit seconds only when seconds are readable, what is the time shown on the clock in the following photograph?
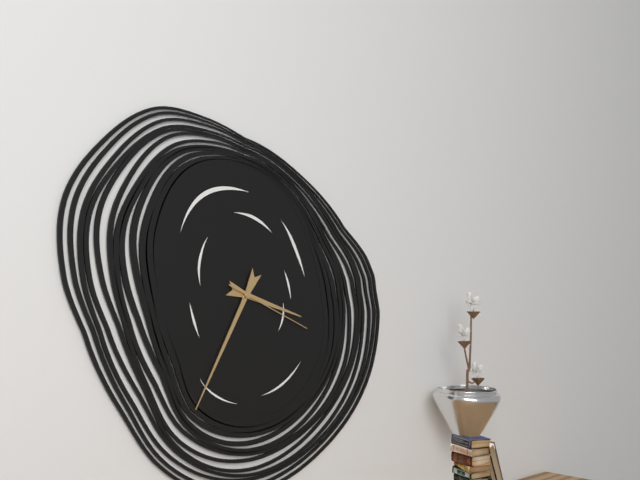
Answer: 3.35.19
